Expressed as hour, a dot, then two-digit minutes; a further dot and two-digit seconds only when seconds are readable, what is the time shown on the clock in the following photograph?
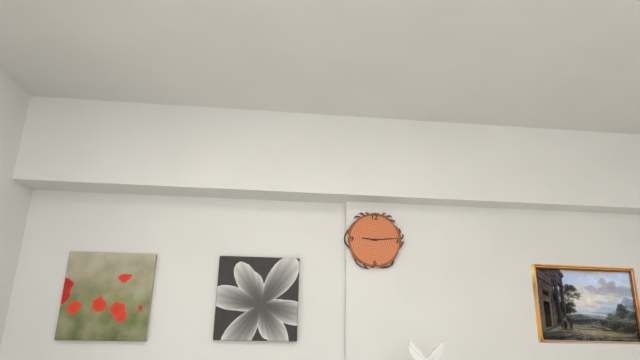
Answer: 9.14
